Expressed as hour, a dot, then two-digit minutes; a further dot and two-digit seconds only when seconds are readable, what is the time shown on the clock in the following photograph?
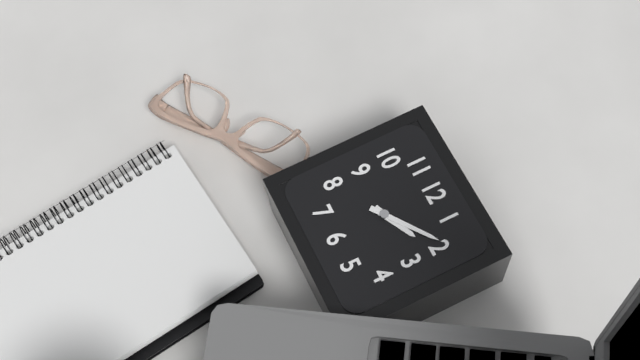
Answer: 2.09
